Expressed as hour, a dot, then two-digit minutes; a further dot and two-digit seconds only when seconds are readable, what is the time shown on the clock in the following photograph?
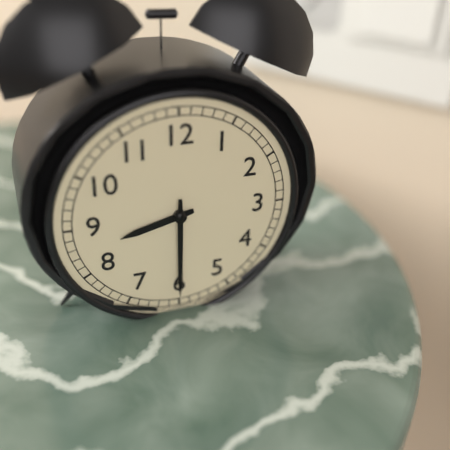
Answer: 8.30
